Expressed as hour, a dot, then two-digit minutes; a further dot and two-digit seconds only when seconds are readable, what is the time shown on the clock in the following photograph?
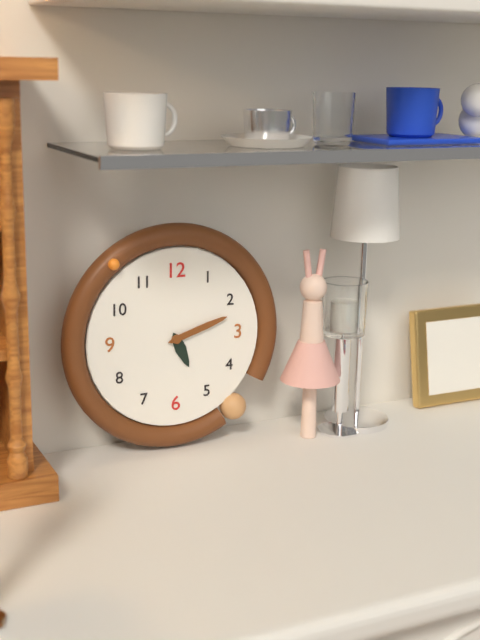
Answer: 5.12
